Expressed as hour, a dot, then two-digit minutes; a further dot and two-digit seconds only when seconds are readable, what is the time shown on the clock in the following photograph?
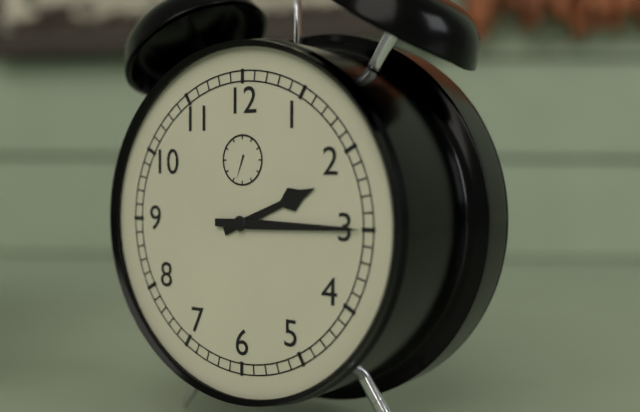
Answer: 2.15
